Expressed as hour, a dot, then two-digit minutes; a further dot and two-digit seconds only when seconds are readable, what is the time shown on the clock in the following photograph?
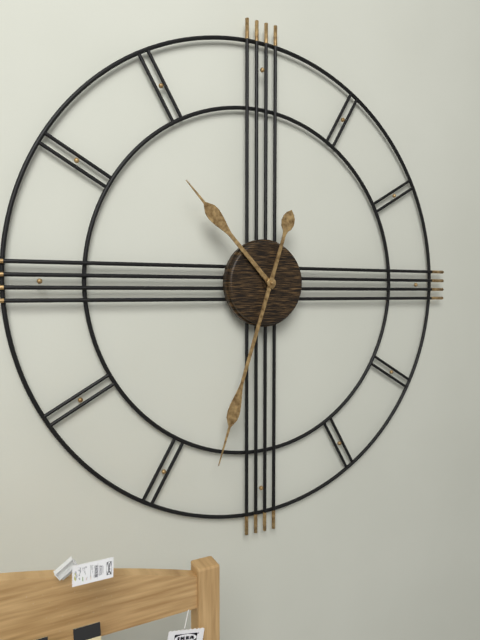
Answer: 10.33
